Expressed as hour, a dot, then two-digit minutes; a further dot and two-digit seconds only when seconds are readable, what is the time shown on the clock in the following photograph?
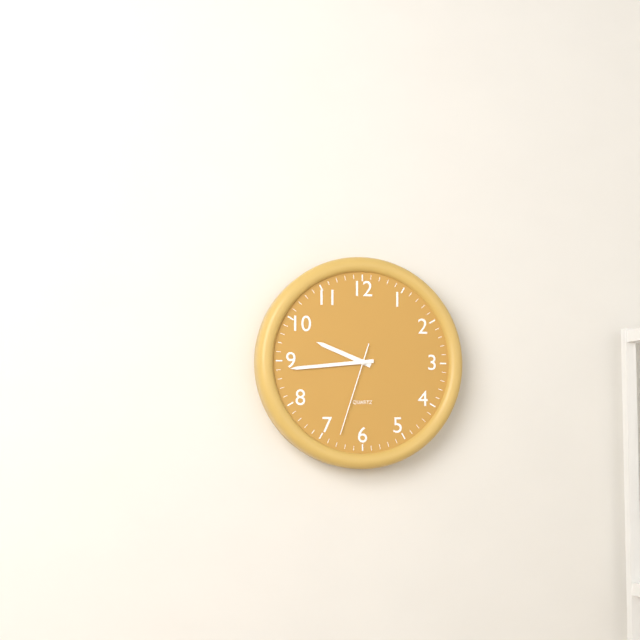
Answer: 9.44.33
